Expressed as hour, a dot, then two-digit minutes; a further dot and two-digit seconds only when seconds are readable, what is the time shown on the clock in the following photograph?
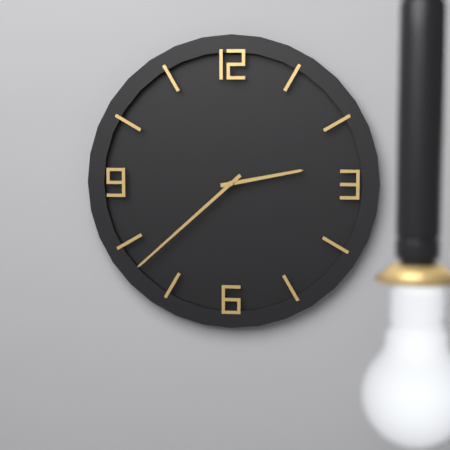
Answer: 2.38
